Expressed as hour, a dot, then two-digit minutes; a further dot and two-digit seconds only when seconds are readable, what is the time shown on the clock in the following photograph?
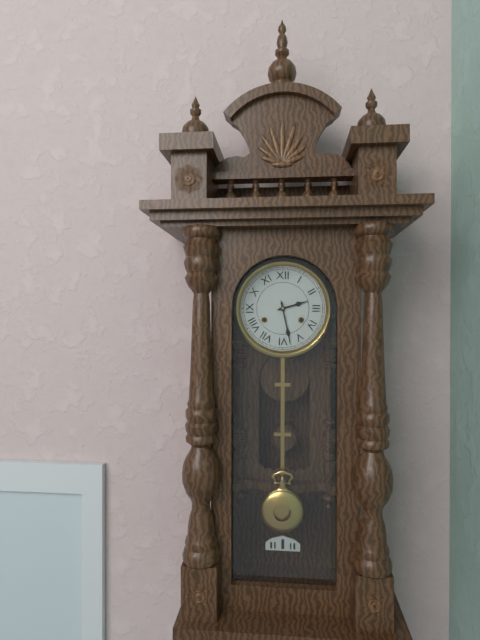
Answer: 2.28
